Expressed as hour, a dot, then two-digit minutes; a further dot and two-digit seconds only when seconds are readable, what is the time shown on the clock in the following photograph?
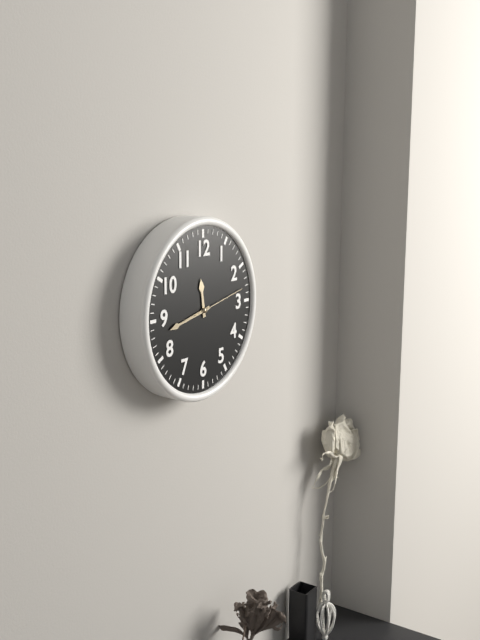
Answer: 11.43.13
